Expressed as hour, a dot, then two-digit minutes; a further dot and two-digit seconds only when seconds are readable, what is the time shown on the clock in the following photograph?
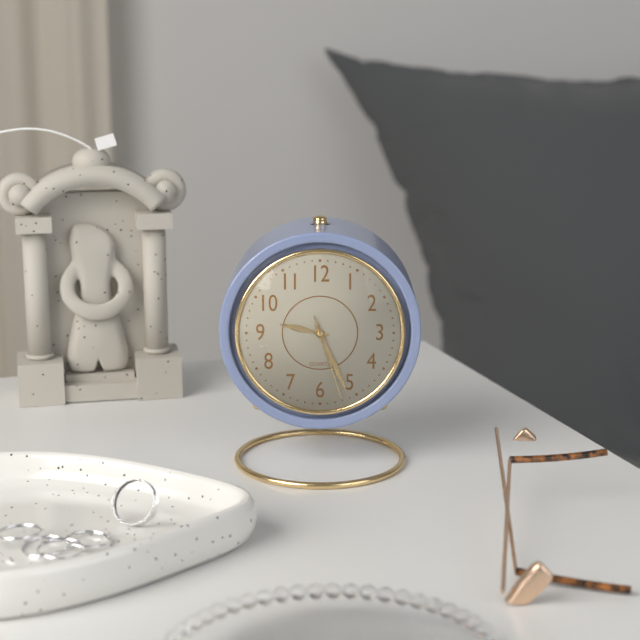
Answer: 9.26.27
